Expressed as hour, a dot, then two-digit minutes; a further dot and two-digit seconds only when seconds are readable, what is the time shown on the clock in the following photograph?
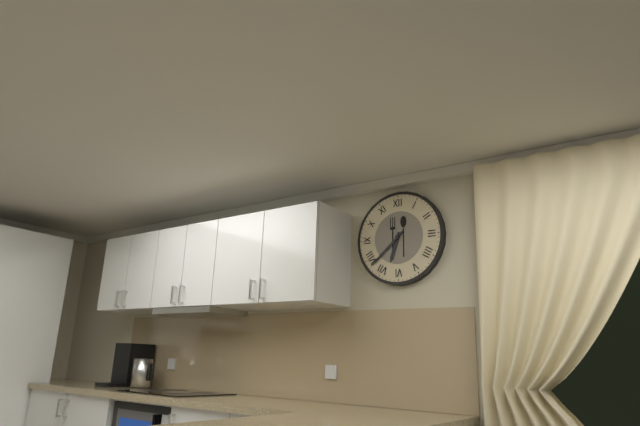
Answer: 6.38
